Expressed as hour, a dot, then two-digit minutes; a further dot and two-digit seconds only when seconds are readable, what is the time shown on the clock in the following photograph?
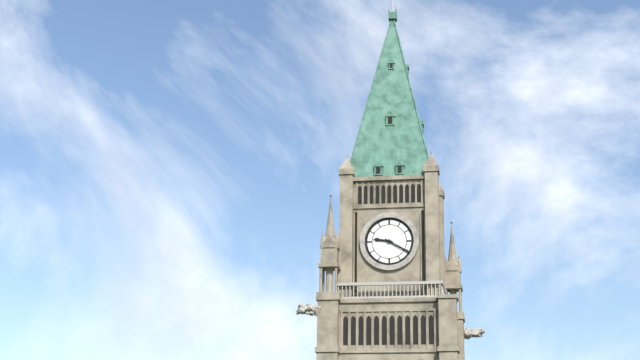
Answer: 9.20
